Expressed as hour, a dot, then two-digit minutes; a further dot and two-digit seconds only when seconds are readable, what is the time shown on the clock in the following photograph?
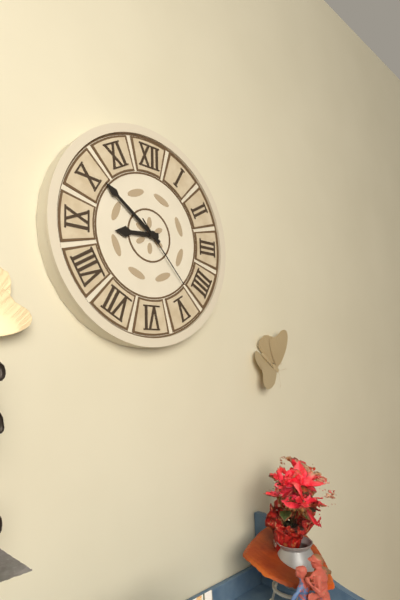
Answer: 8.51.23
